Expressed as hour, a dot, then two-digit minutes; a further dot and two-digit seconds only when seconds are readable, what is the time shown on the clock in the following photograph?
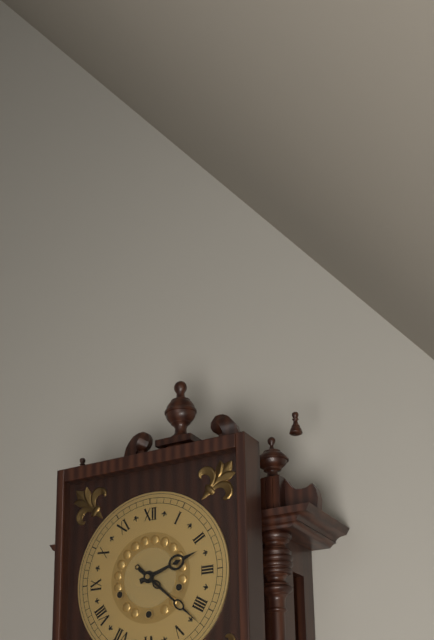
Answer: 2.22
